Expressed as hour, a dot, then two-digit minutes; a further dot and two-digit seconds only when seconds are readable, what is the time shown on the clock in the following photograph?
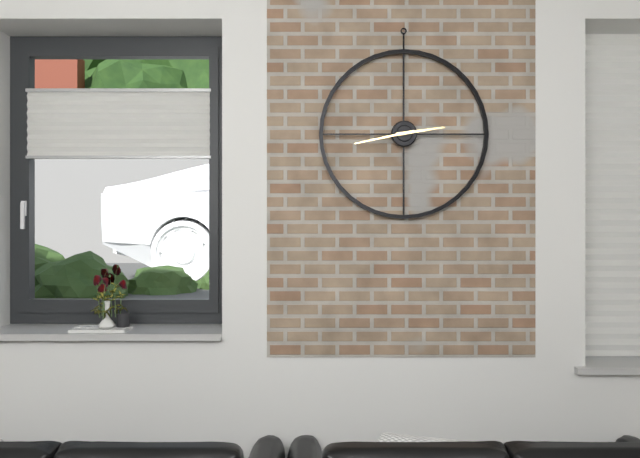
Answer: 2.43
